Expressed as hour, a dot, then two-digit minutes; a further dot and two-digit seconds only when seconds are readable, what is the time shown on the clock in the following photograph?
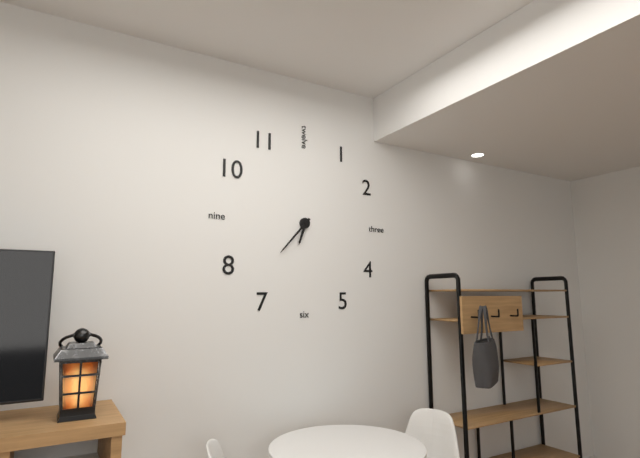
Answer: 6.37
